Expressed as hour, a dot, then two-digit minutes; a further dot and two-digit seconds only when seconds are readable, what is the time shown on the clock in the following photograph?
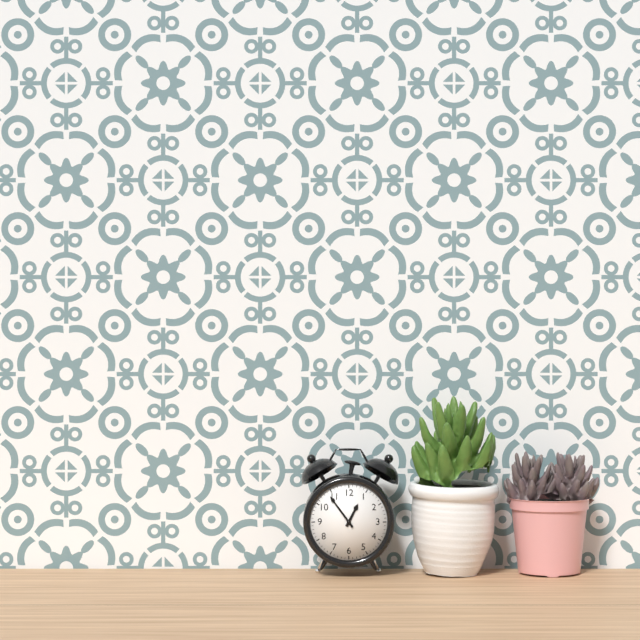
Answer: 12.54
